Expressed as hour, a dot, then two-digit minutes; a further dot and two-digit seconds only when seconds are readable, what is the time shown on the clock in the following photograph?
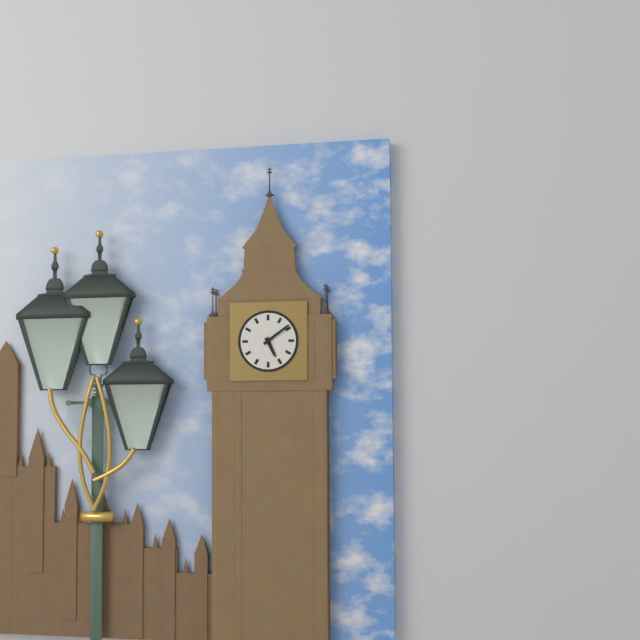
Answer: 5.09
